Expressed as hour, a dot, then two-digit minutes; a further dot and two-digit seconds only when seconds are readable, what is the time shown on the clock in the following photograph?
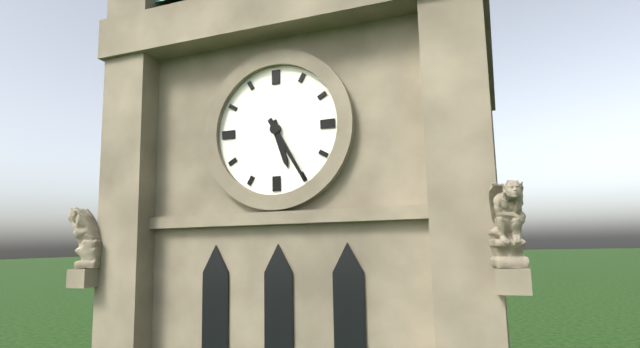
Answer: 5.25
